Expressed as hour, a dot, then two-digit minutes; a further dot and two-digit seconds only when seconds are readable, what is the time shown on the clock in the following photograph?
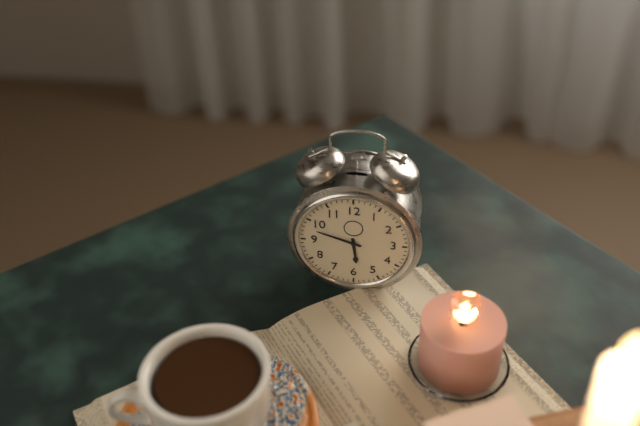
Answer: 5.48
